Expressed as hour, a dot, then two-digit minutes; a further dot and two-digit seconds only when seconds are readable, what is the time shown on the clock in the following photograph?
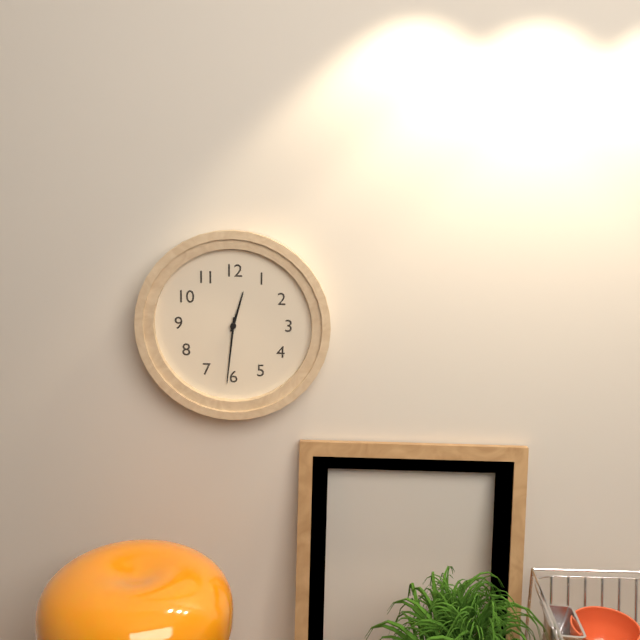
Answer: 12.31
